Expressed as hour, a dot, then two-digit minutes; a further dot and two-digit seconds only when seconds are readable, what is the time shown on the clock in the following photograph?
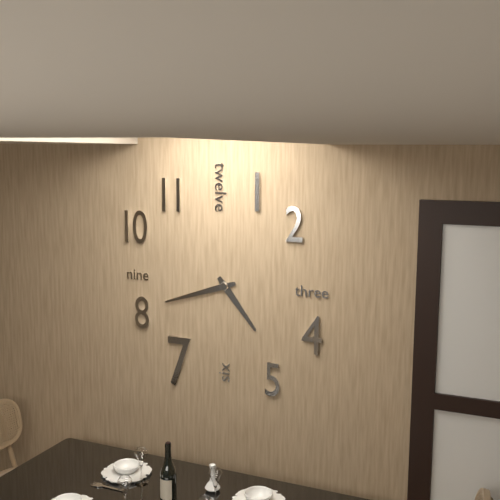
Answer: 4.42
